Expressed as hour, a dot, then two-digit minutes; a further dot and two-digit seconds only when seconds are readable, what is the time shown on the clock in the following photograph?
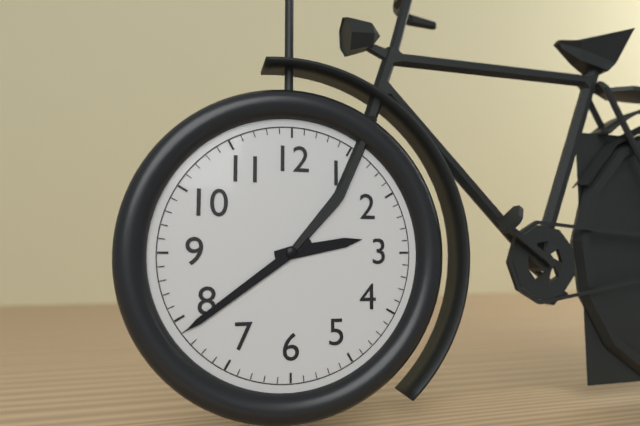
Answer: 2.39
